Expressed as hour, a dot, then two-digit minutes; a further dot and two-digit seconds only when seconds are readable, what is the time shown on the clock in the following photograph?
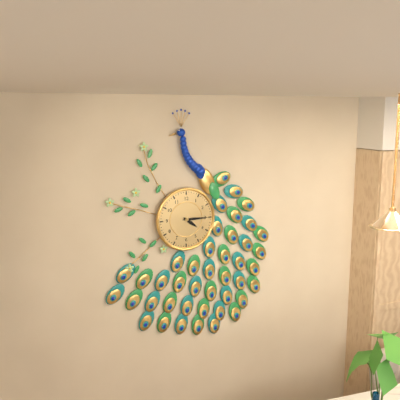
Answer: 4.15
